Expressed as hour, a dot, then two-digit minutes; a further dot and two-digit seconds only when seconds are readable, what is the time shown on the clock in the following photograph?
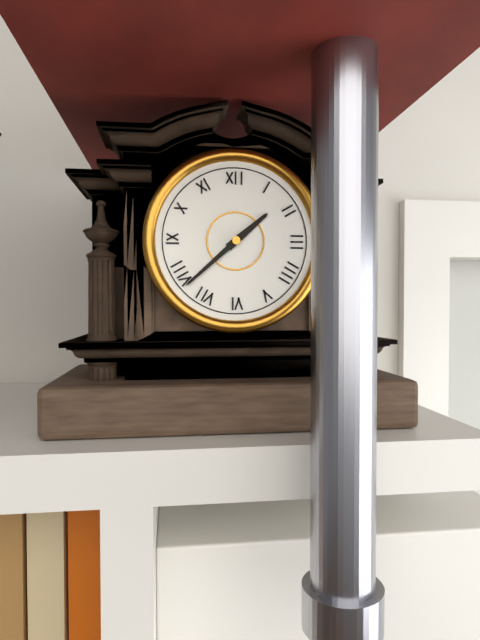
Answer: 1.38
